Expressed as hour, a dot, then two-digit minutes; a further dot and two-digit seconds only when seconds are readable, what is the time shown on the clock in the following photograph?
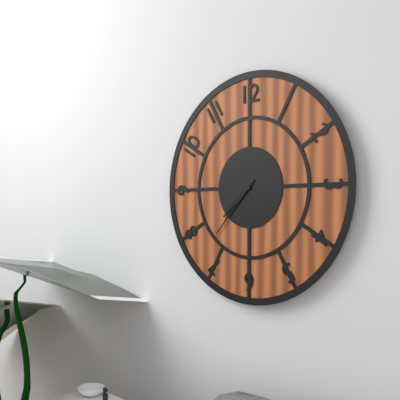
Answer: 7.37
